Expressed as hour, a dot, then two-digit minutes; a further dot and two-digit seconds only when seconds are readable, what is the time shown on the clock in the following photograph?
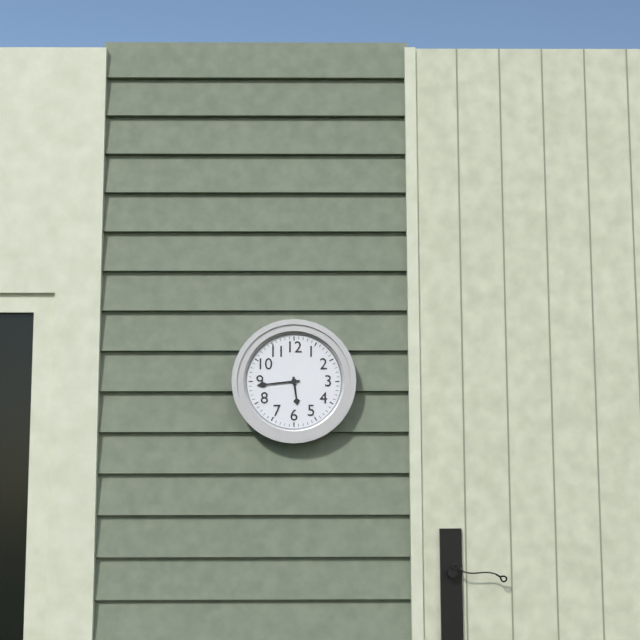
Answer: 5.44
